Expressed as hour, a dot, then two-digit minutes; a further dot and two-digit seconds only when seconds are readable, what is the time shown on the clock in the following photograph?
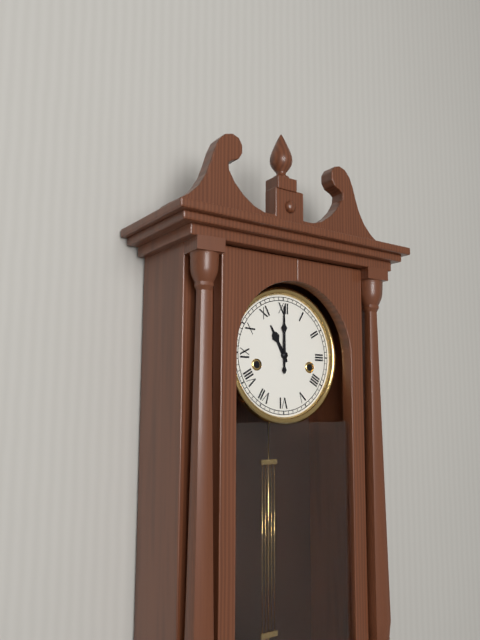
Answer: 11.00
